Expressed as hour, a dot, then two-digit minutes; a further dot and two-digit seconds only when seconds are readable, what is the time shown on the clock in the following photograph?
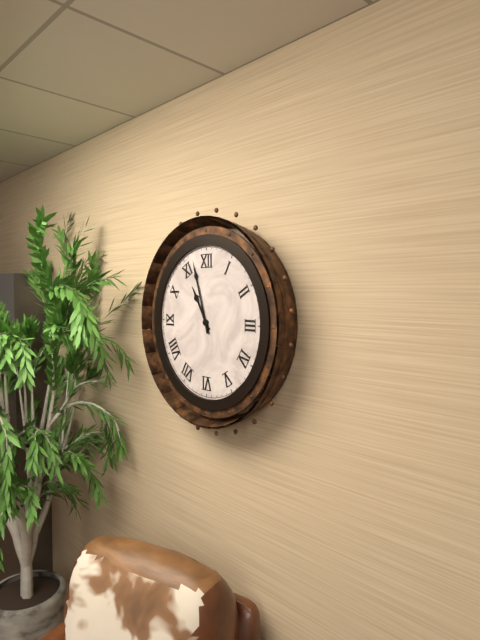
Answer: 10.57
